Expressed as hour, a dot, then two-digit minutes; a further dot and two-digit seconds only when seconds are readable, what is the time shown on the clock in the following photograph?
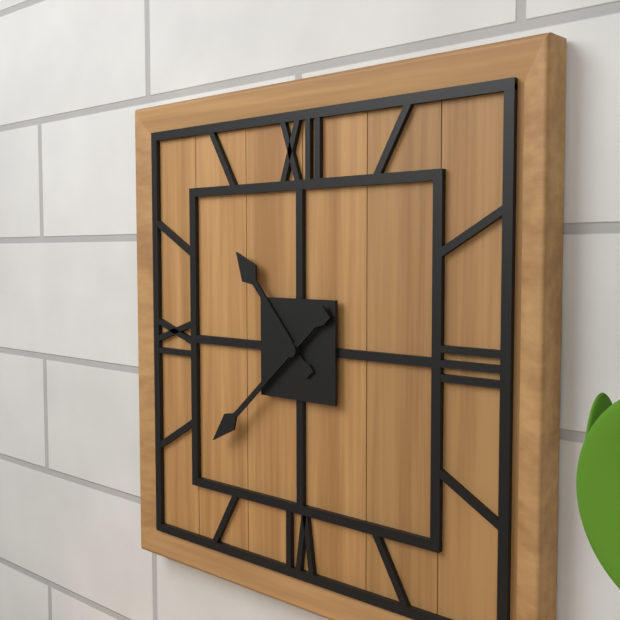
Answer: 10.38
